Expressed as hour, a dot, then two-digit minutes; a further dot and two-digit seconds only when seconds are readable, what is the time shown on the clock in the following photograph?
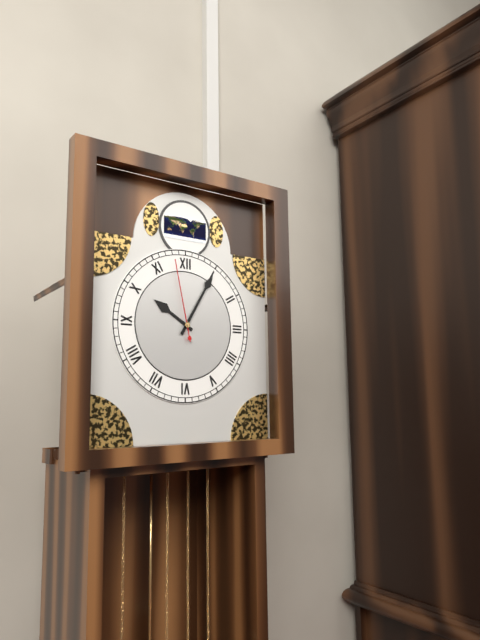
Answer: 10.05.58
